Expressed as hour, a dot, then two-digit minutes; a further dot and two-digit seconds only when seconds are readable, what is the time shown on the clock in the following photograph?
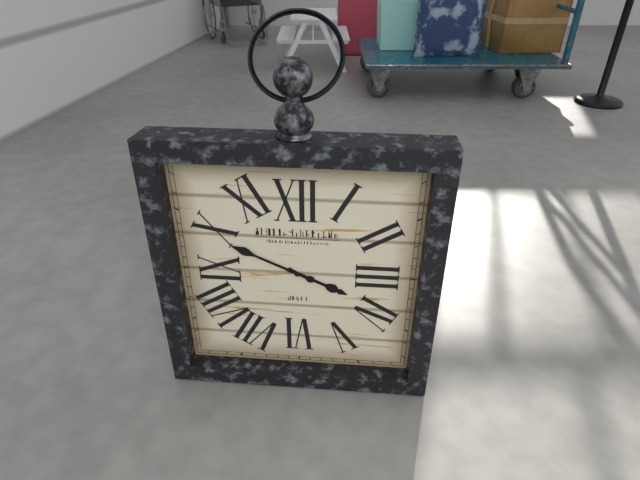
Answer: 3.49
